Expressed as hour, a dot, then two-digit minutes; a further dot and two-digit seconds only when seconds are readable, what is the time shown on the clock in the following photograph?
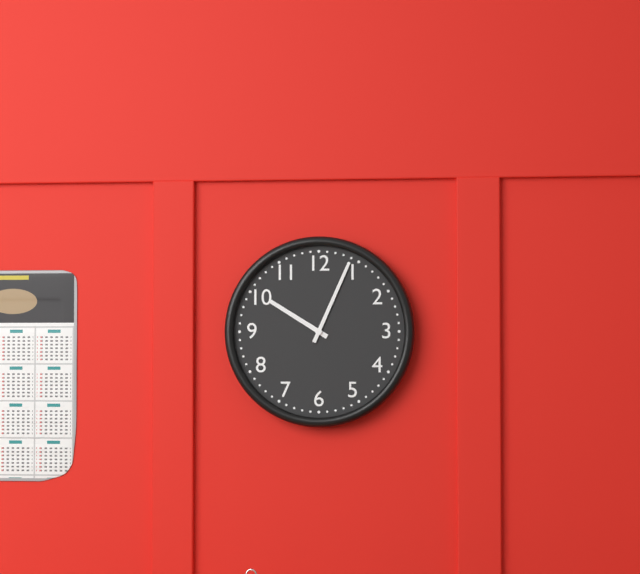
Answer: 10.04
